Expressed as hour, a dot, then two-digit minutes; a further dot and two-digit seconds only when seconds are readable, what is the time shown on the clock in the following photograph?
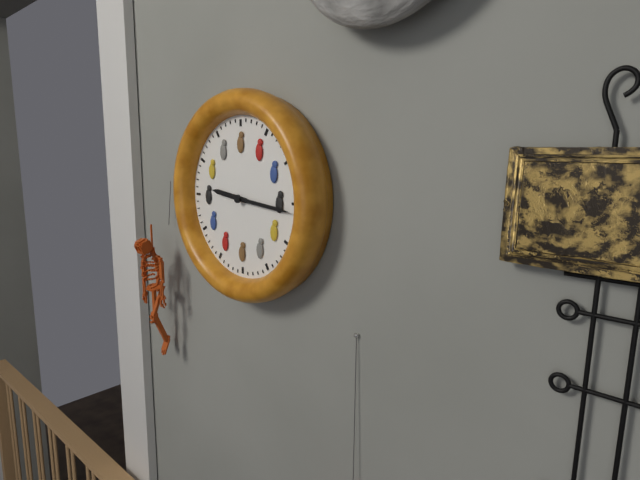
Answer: 9.16
